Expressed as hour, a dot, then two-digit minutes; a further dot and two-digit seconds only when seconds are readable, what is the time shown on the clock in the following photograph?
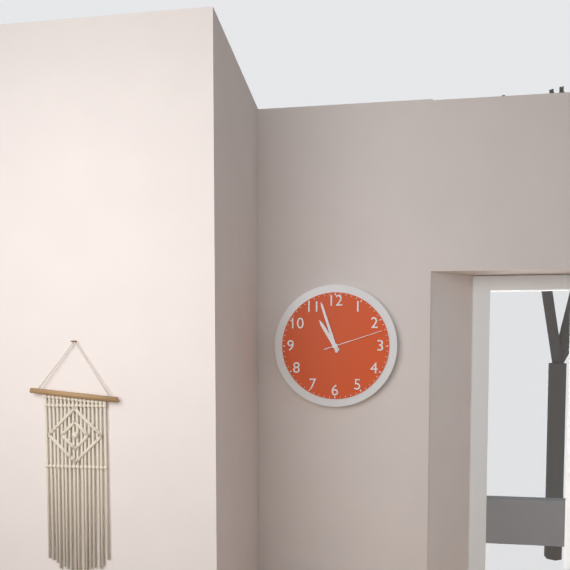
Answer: 10.57.12
